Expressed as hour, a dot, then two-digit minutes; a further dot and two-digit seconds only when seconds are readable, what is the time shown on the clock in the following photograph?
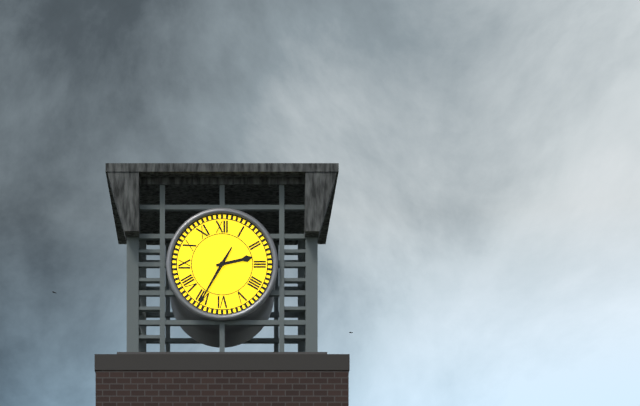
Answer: 2.35
